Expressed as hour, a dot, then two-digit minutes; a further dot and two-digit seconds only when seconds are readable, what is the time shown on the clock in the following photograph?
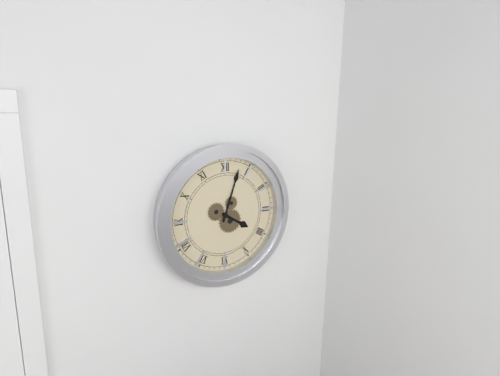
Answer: 4.03
